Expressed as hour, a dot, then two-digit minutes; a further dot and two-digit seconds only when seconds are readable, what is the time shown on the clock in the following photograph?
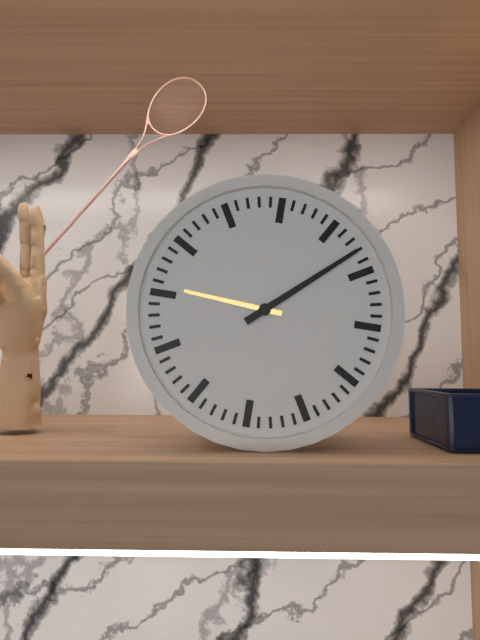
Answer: 9.08
